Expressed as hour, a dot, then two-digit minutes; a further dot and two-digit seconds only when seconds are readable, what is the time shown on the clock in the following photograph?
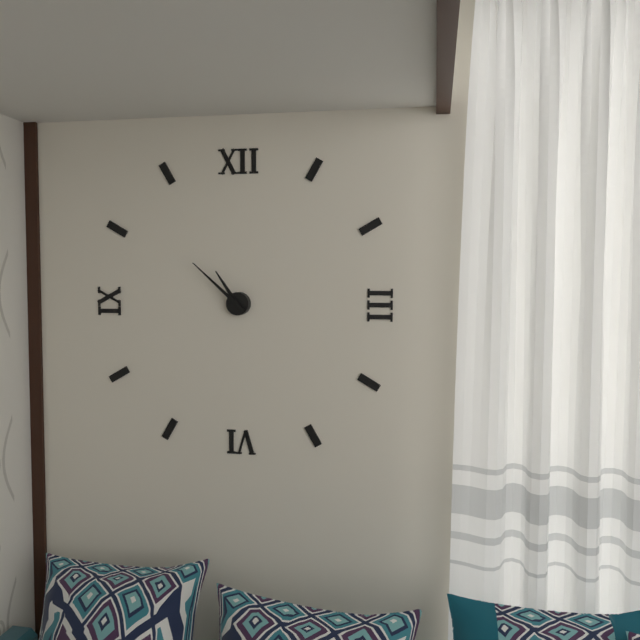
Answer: 10.52
